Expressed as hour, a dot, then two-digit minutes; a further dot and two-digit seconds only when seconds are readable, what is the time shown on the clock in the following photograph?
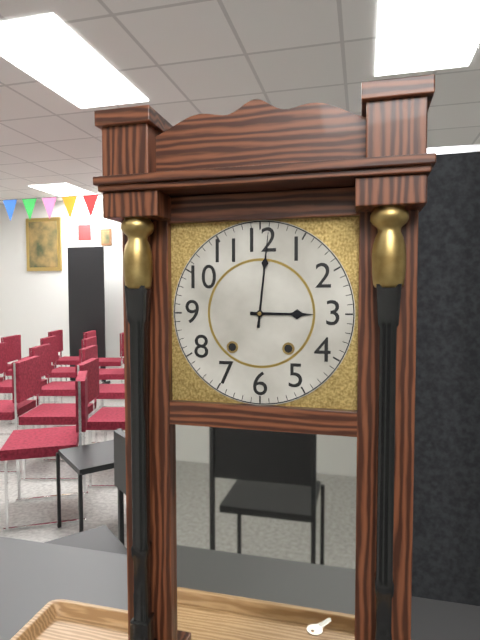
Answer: 3.01
